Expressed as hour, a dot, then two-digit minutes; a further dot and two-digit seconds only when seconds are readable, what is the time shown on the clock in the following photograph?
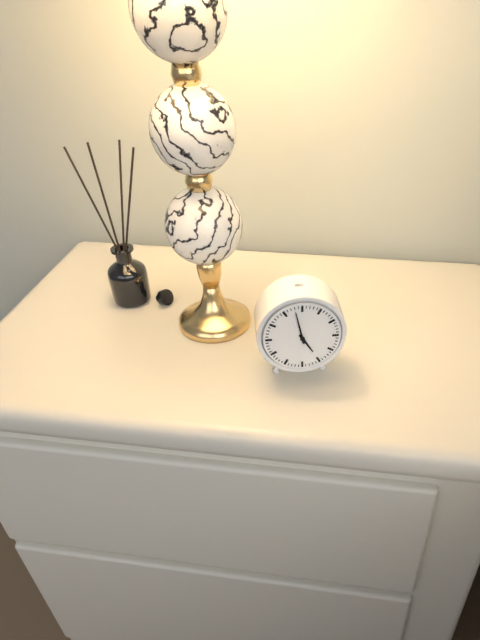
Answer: 4.58
